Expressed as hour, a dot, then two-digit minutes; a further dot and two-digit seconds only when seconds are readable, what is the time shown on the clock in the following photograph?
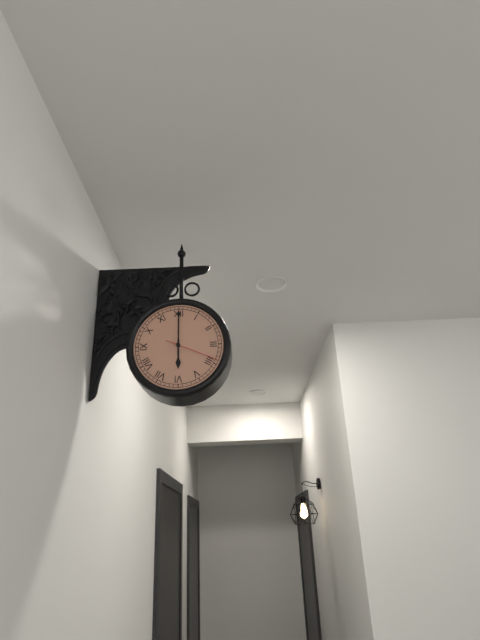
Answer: 6.00
